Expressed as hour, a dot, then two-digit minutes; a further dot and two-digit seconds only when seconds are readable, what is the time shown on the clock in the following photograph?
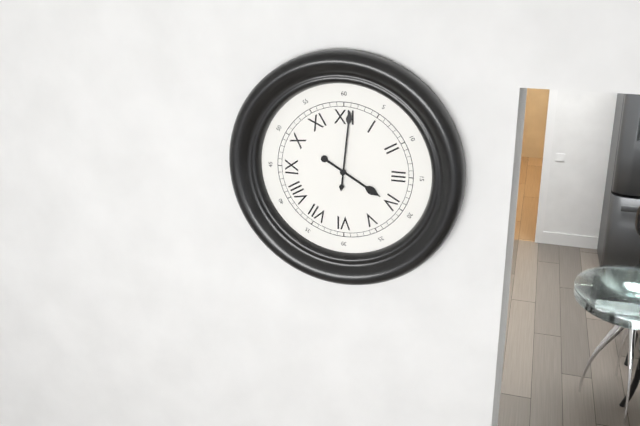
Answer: 4.01
